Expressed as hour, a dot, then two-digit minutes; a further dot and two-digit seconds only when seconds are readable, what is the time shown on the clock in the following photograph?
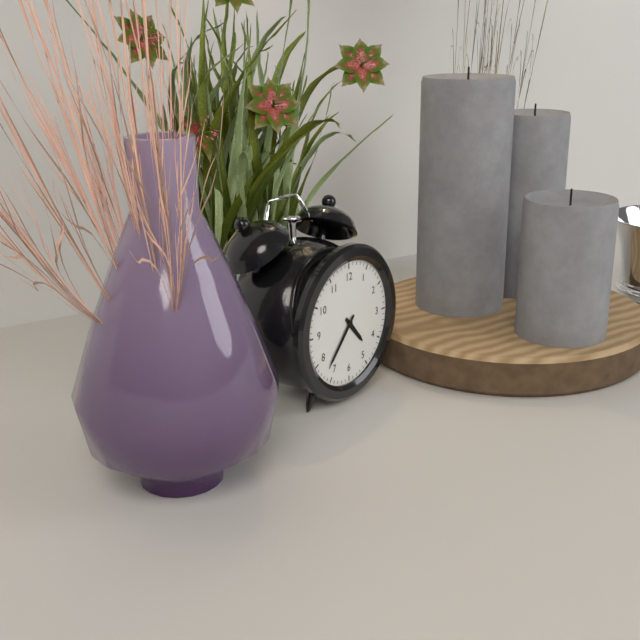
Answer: 4.37
